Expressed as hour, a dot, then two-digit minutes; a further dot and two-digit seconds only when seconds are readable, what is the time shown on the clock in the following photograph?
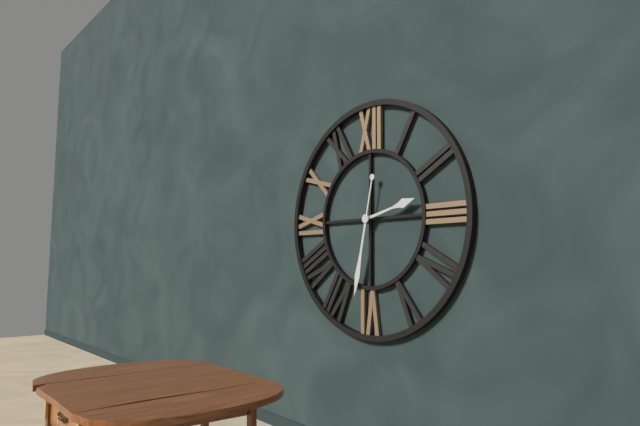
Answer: 2.32
